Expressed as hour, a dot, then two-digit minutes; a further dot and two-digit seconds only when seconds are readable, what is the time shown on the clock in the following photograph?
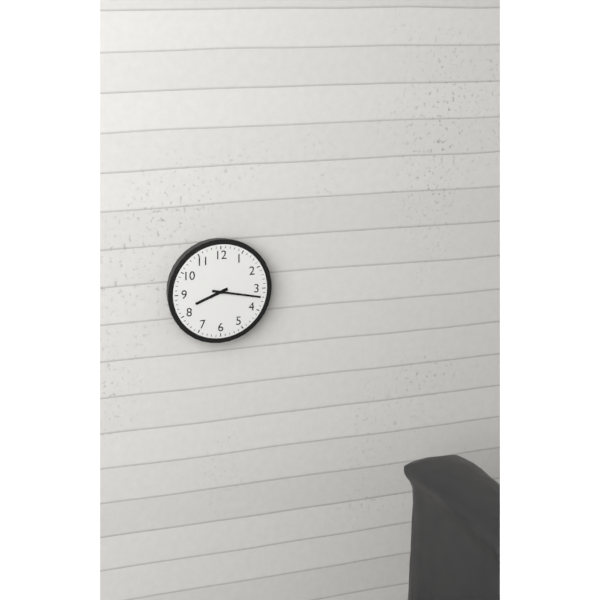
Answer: 8.17
